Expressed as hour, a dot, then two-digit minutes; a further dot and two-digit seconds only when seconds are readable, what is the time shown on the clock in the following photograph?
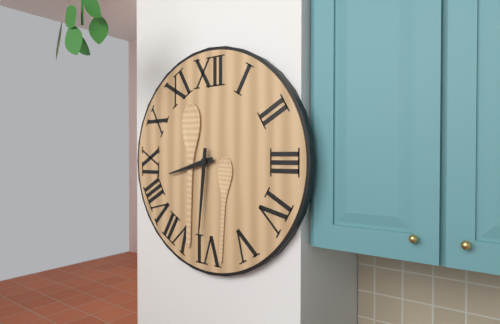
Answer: 8.31
